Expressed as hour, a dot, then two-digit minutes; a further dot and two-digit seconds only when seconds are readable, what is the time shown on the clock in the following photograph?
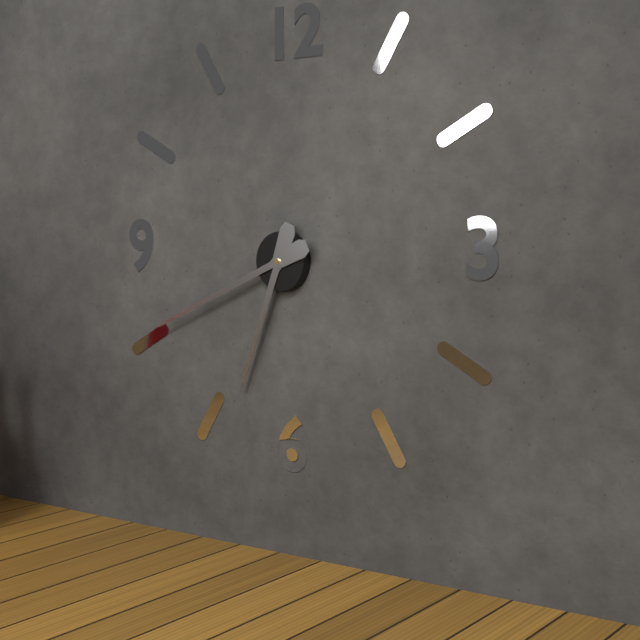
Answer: 6.41
